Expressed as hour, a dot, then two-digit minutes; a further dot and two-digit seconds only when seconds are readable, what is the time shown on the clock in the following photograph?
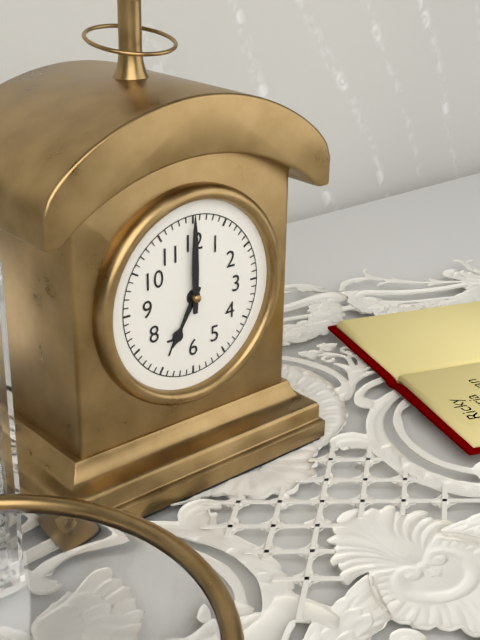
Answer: 7.00
